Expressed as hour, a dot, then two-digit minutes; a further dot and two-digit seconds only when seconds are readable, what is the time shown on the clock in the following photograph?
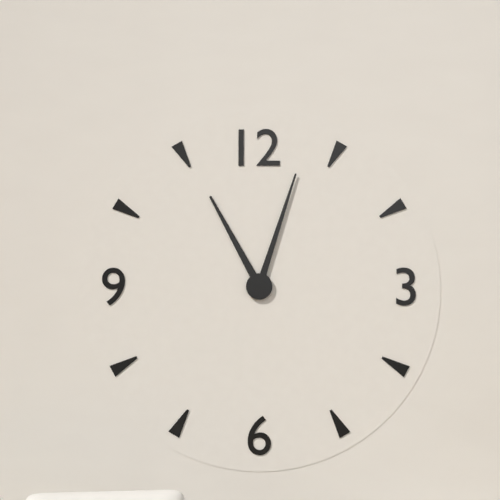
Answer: 11.03
